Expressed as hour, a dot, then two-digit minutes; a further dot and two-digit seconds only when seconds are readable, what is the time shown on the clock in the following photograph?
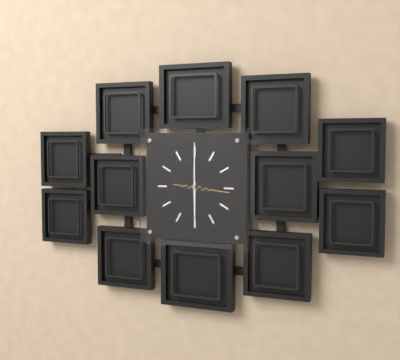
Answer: 6.00
